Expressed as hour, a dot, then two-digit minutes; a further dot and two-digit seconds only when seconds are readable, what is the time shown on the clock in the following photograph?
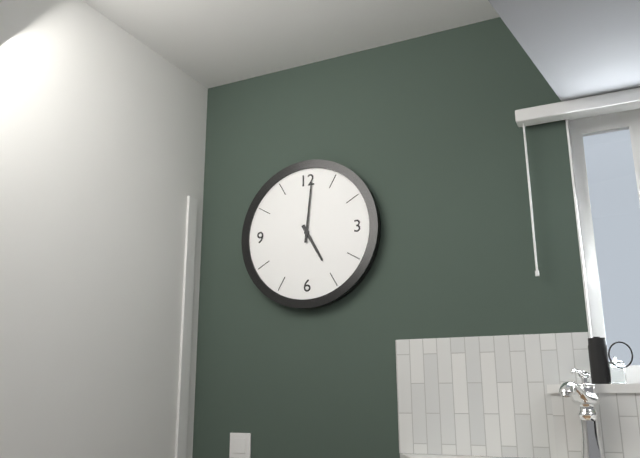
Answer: 5.01
